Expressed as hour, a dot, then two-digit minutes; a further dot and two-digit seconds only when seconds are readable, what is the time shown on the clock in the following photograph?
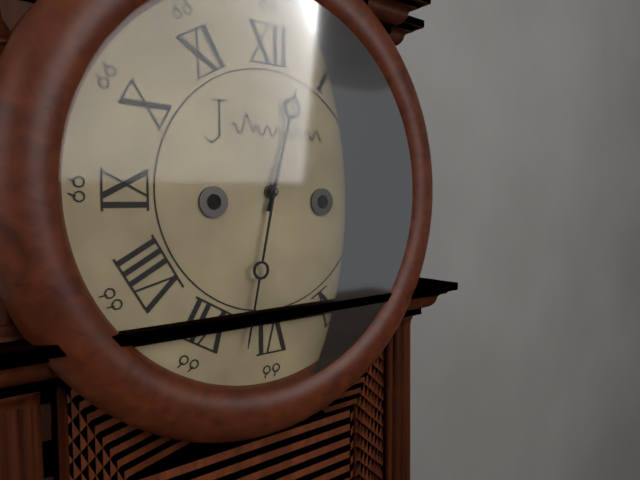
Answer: 12.32
